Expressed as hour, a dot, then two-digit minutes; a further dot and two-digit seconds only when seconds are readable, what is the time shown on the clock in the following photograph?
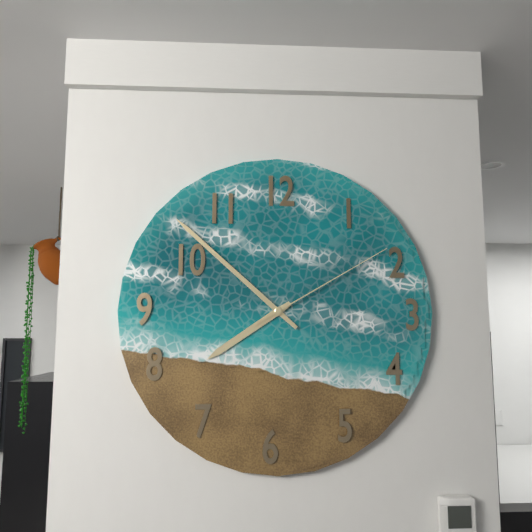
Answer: 7.52.10
